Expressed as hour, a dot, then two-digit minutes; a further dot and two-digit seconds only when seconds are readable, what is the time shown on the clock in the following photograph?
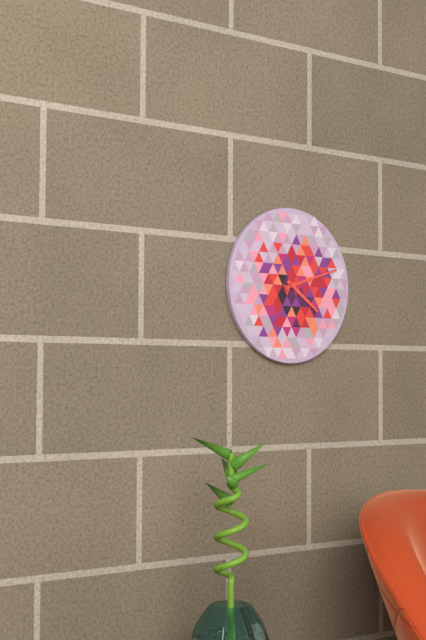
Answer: 4.12
